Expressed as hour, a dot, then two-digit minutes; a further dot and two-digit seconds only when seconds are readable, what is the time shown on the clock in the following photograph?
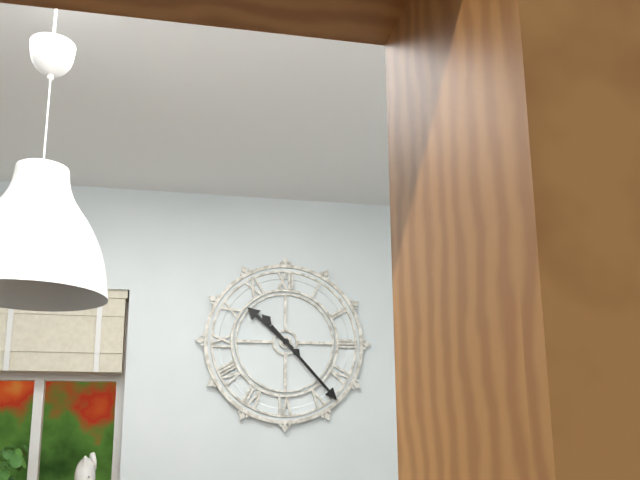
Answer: 10.23
